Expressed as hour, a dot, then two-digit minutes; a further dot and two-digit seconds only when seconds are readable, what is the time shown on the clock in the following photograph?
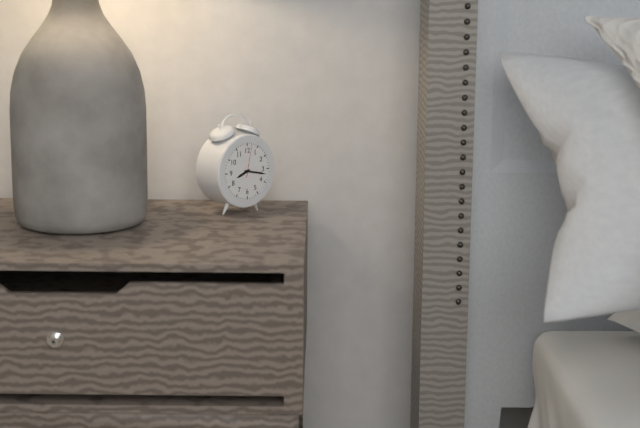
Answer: 8.17
